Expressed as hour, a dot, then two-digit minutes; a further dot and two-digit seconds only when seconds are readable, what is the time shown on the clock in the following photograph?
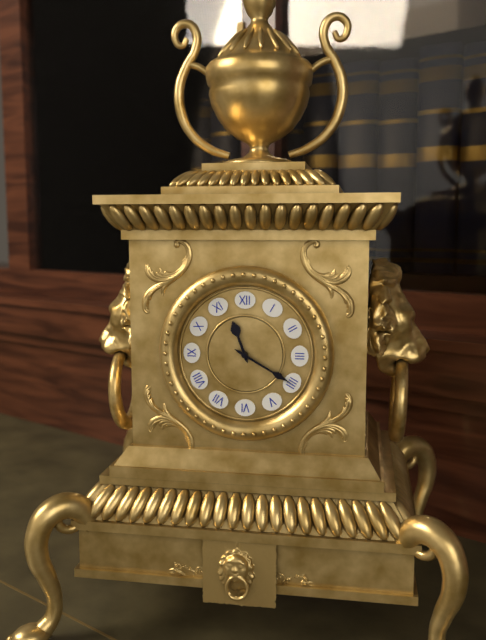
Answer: 11.20
